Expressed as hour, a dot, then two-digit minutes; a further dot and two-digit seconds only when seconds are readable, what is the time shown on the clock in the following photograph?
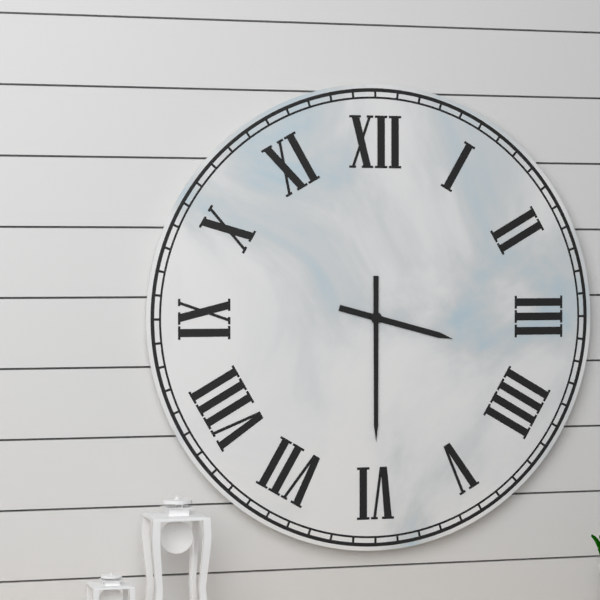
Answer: 3.30
